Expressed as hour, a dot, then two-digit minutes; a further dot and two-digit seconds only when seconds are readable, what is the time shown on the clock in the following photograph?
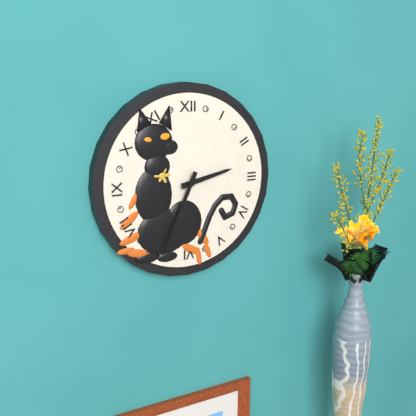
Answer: 2.34
